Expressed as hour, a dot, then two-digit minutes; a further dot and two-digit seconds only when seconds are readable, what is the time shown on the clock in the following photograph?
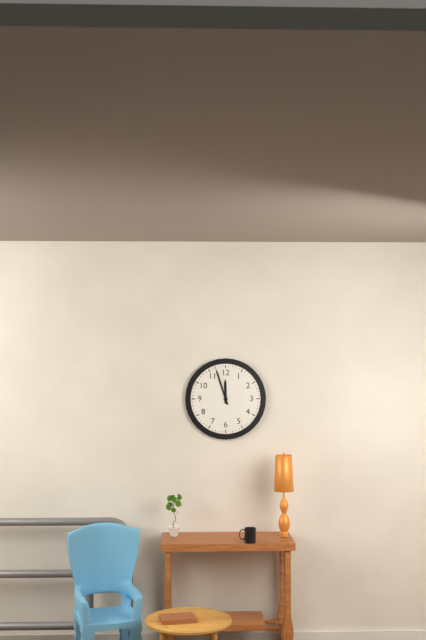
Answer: 11.57
